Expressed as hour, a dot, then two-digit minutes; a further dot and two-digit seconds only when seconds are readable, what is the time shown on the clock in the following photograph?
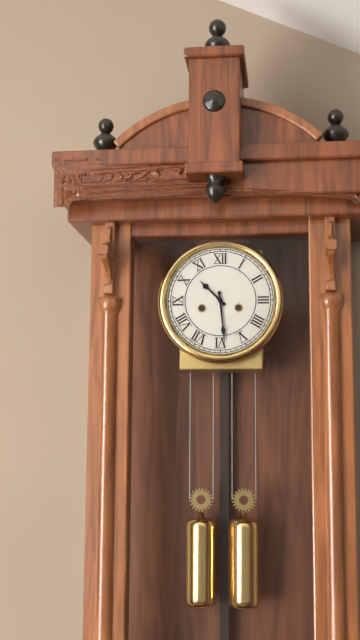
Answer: 10.29
